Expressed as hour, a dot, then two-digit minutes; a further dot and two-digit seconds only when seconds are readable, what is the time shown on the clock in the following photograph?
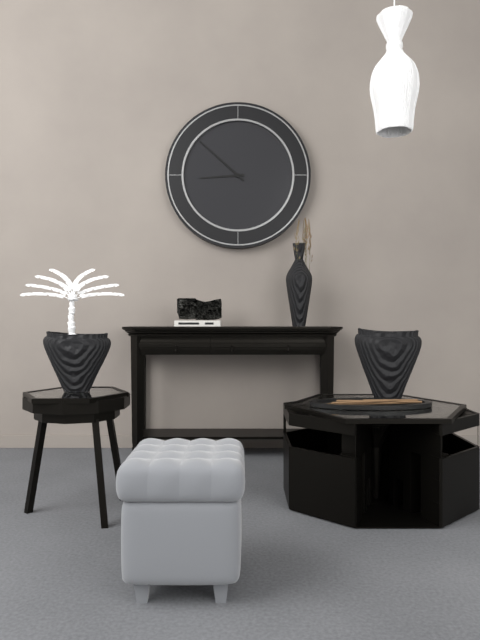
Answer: 8.52
